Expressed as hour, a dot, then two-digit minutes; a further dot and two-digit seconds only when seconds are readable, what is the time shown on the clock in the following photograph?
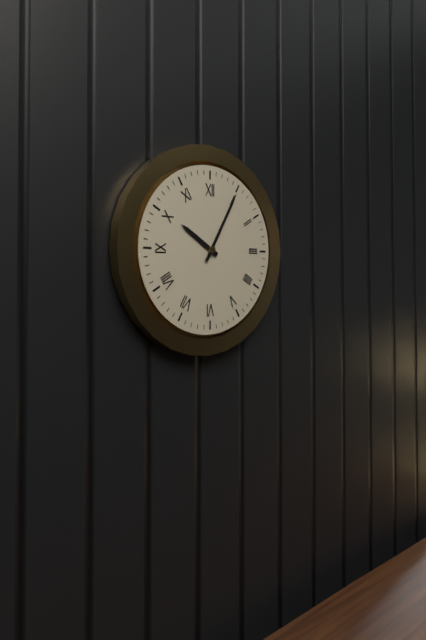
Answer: 10.05
